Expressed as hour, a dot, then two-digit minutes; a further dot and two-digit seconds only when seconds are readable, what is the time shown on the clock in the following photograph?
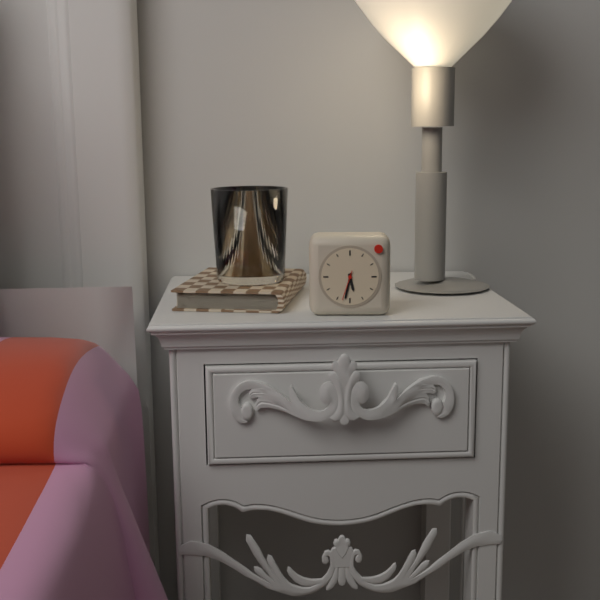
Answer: 5.32
